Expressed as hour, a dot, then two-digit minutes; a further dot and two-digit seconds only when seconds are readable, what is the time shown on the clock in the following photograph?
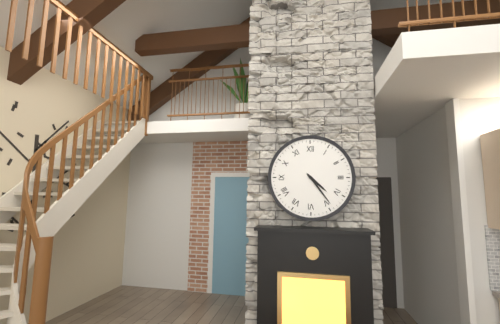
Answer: 4.24
